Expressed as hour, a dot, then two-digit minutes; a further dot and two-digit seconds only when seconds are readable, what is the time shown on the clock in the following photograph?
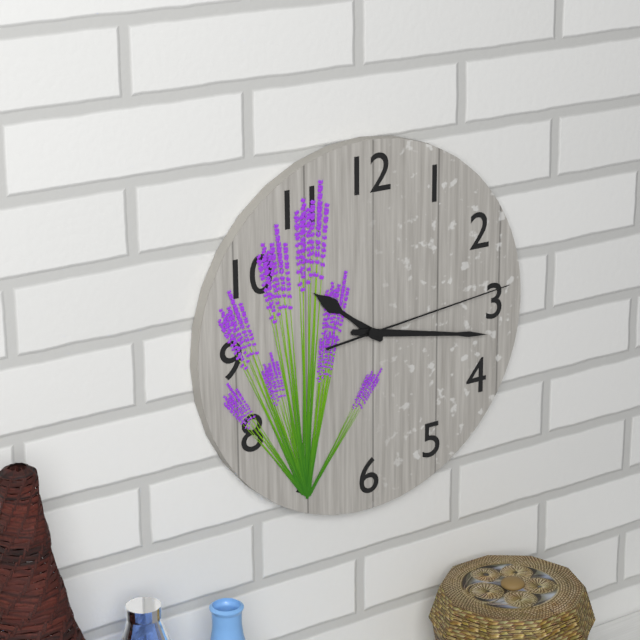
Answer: 10.17.14
